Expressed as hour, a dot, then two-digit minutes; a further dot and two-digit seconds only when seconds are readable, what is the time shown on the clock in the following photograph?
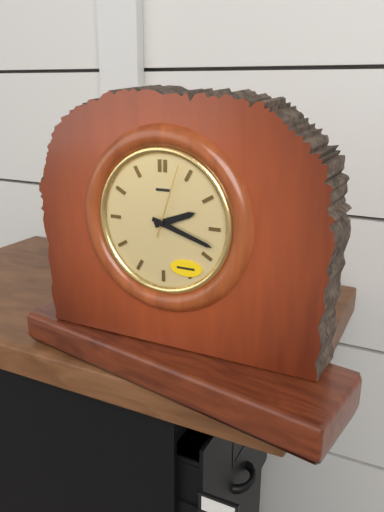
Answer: 2.18.03
